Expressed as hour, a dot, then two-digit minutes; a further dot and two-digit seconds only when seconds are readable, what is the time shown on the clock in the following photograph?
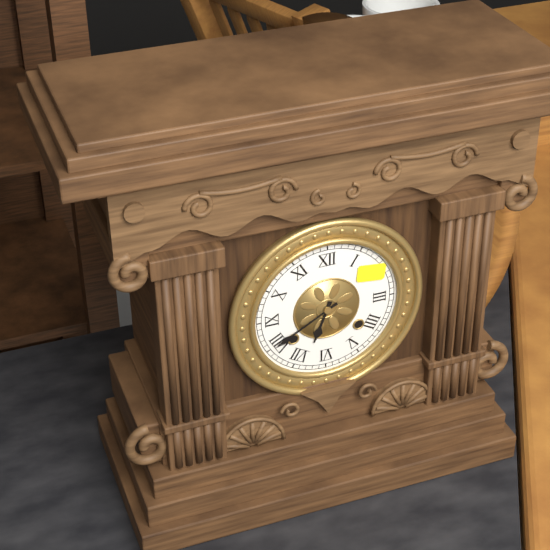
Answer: 6.40
